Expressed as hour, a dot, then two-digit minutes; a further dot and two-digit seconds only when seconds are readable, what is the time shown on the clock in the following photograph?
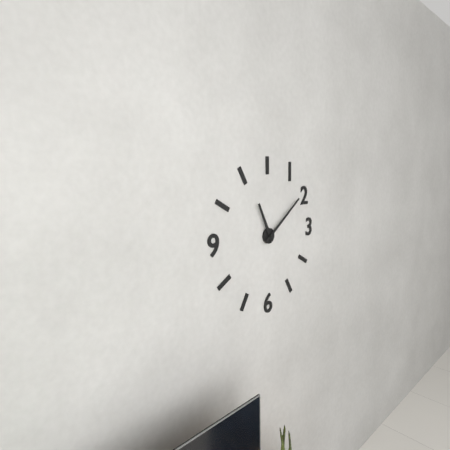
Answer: 11.09
